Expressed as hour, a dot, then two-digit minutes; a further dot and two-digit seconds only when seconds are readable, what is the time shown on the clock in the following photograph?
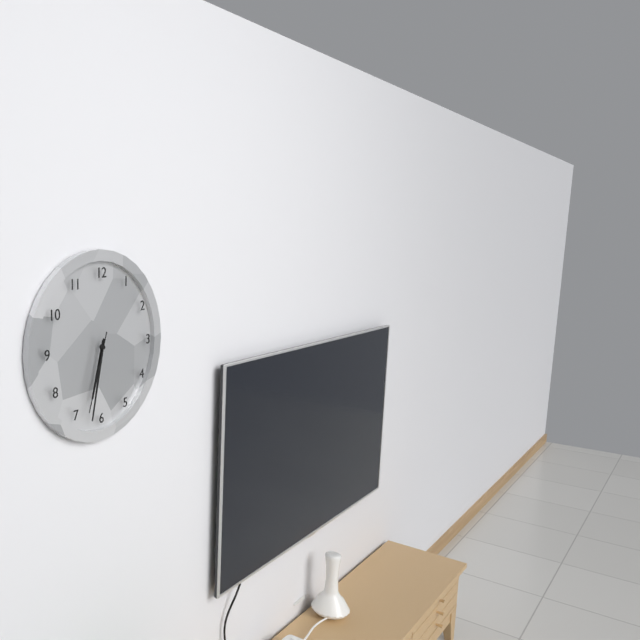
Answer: 6.32.33
